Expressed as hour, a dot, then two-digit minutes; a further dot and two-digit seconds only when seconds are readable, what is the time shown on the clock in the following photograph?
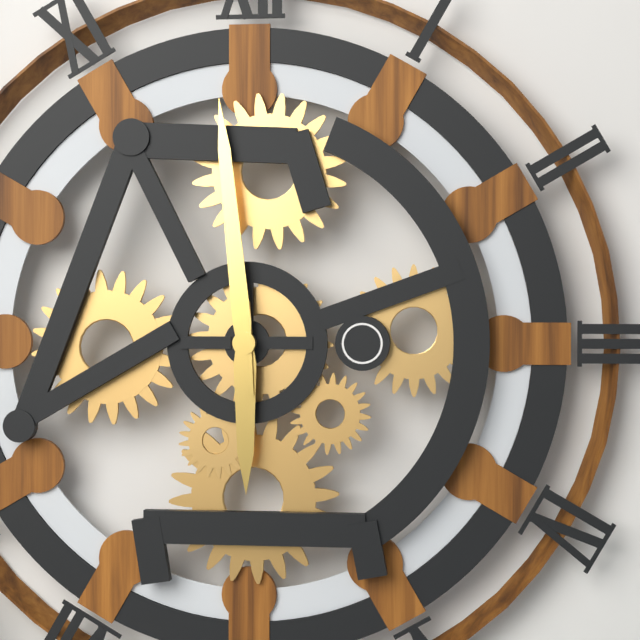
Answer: 5.59
